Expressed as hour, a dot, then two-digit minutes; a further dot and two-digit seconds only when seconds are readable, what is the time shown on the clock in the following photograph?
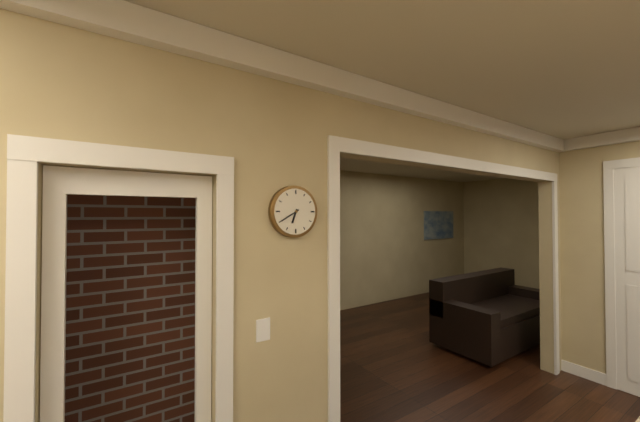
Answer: 6.40
